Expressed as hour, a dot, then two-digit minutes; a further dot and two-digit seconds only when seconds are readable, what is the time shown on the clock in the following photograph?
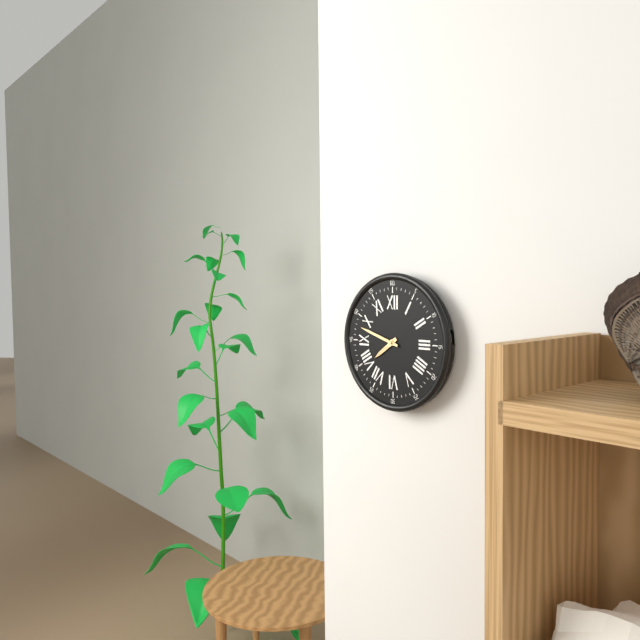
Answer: 7.48
